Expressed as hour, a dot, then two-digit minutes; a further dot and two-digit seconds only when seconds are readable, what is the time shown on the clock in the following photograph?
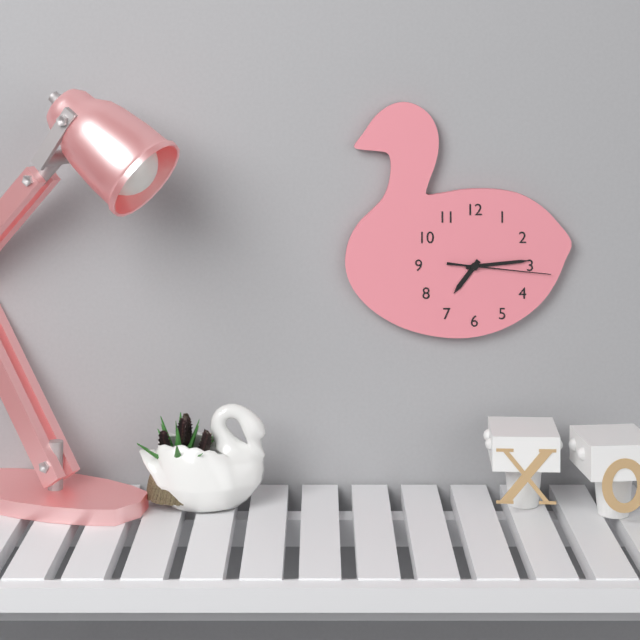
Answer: 7.14.16
